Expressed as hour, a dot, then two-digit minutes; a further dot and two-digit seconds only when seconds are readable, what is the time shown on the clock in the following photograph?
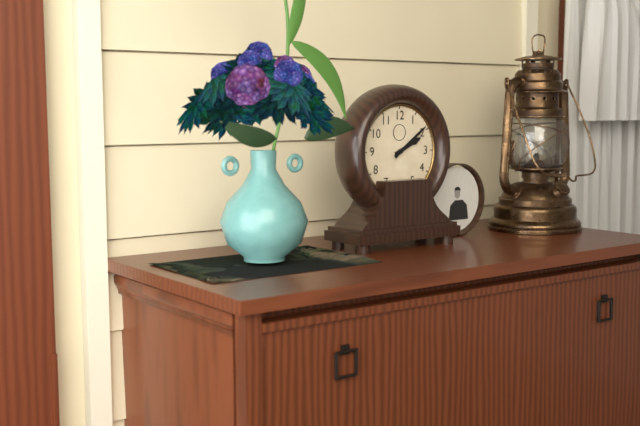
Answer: 2.09
